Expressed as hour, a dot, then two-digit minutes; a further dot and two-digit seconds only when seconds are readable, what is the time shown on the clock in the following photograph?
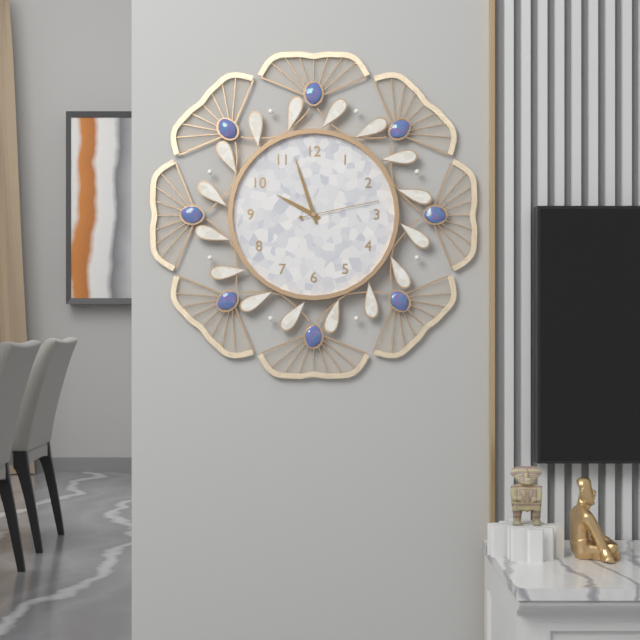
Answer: 9.57.13
